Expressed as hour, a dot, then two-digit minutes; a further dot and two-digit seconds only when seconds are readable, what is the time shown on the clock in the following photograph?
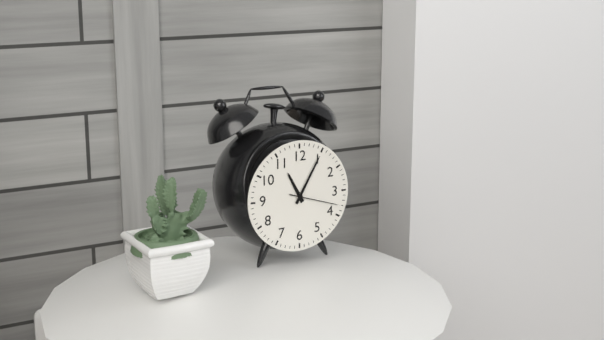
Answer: 11.05.18
